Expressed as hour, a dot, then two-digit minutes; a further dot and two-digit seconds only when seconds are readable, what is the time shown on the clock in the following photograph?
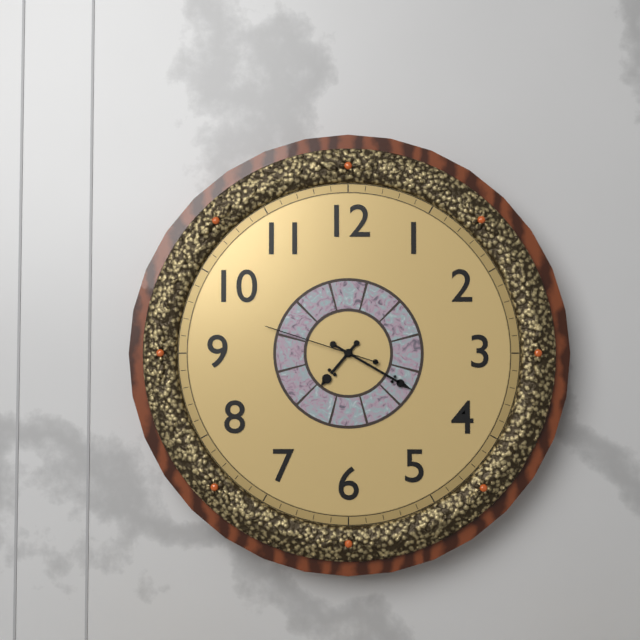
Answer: 7.20.48
